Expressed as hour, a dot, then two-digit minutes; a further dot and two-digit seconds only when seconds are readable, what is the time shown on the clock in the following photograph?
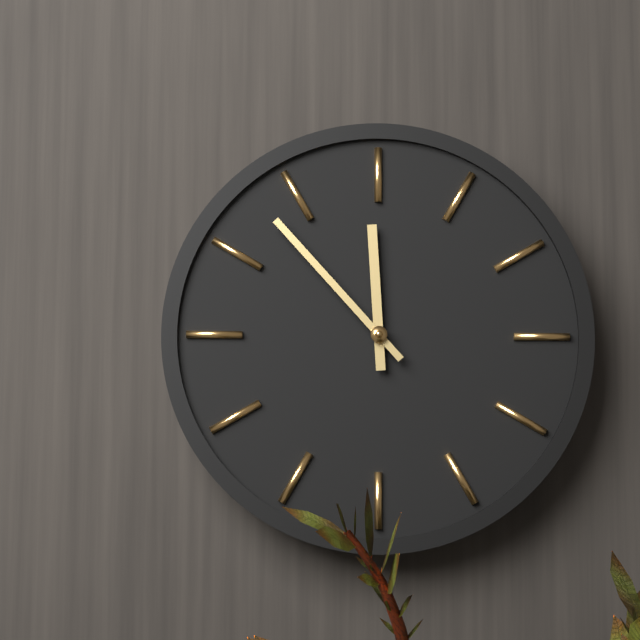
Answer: 11.53
